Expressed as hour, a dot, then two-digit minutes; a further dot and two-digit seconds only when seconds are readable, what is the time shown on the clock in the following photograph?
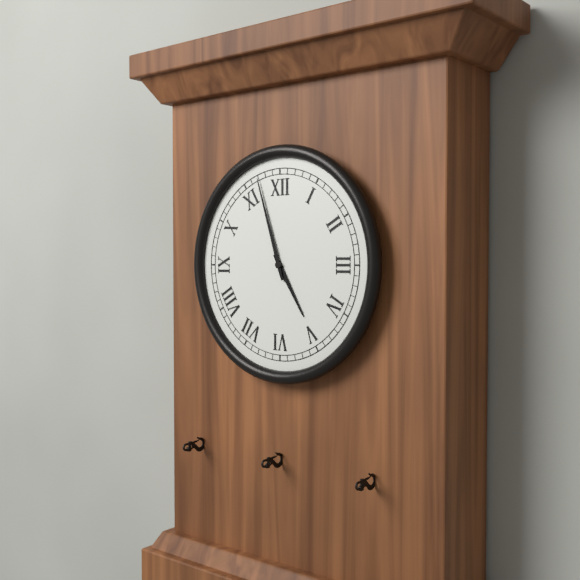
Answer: 4.57
